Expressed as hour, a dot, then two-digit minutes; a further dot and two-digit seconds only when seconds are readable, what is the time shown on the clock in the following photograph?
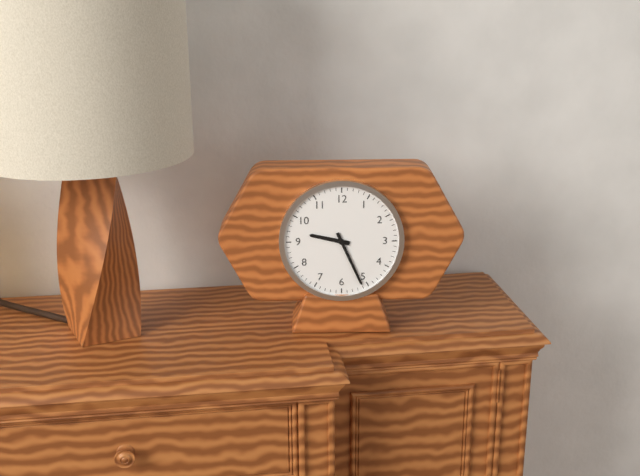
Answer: 9.26
